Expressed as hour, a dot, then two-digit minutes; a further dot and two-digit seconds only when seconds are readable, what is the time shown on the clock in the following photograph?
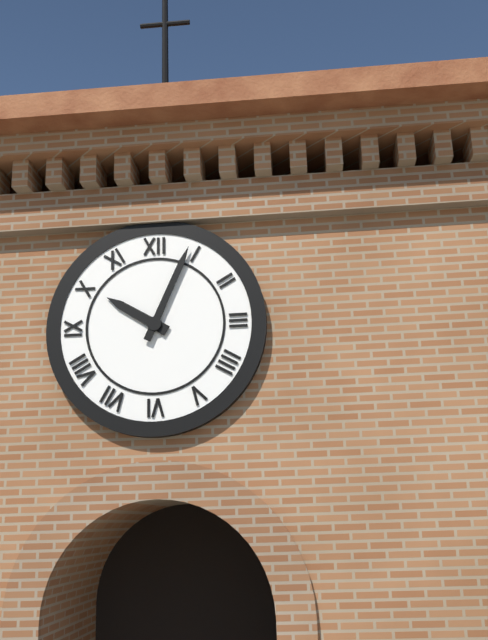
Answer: 10.04
